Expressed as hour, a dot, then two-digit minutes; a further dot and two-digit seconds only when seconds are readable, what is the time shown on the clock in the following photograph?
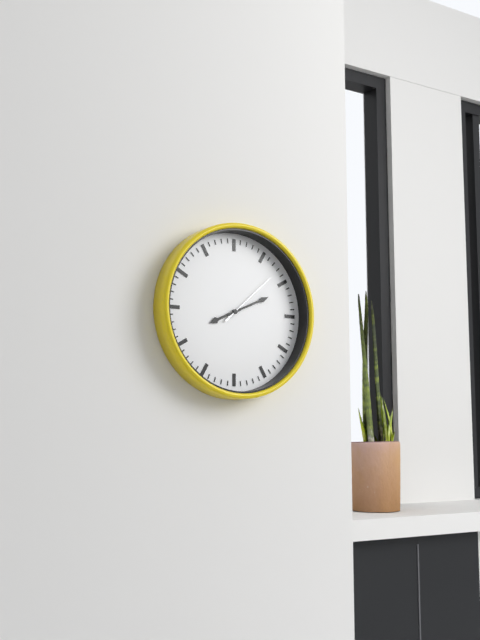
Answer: 8.11.08
